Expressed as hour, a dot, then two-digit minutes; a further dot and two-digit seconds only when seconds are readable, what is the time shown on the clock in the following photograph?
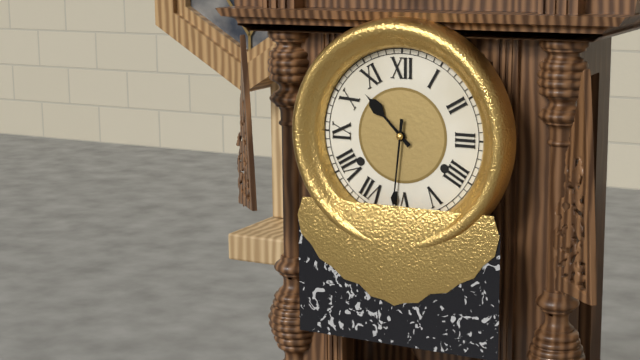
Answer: 10.31
